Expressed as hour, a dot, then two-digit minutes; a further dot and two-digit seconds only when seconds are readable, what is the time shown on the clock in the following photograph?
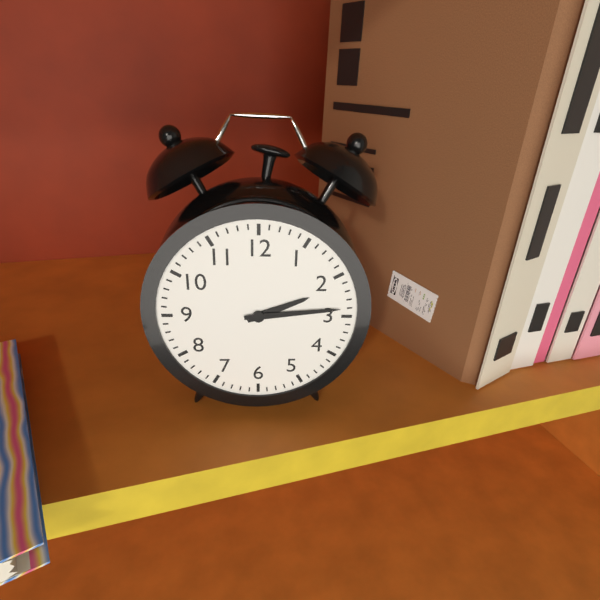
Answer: 2.14
